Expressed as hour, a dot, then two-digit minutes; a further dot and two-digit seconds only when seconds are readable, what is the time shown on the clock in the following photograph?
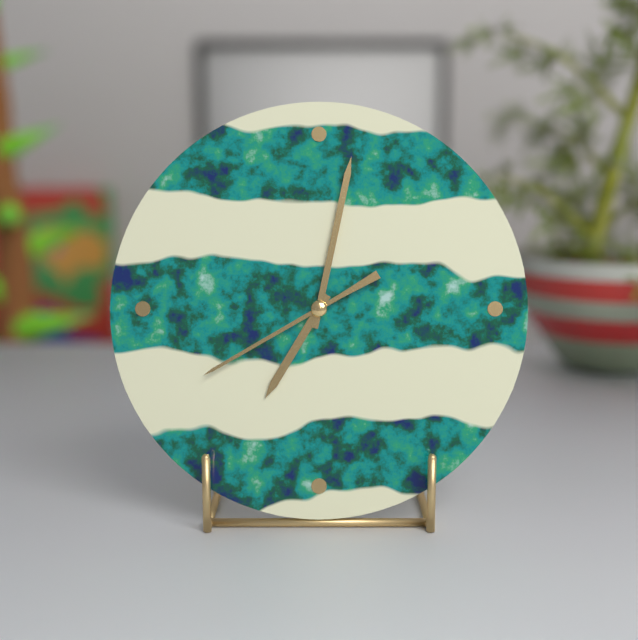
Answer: 7.02.40
